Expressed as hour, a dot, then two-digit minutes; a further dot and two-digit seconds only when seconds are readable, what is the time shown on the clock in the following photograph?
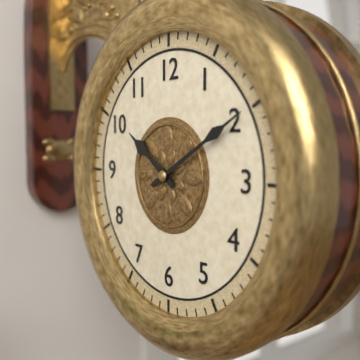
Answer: 10.10
